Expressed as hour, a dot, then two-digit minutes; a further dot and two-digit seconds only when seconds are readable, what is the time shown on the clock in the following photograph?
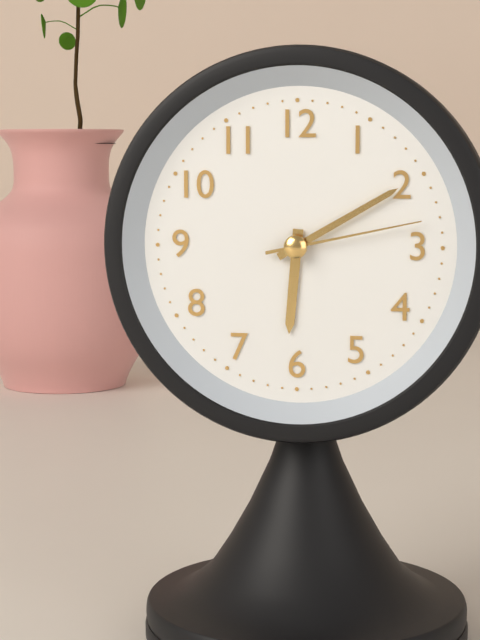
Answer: 6.10.13
